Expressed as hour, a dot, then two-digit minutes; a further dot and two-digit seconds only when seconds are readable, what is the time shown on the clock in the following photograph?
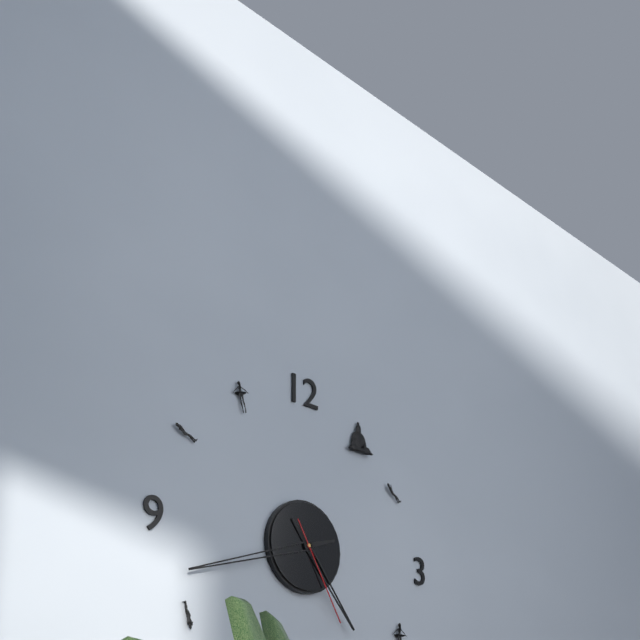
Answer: 4.42.25
